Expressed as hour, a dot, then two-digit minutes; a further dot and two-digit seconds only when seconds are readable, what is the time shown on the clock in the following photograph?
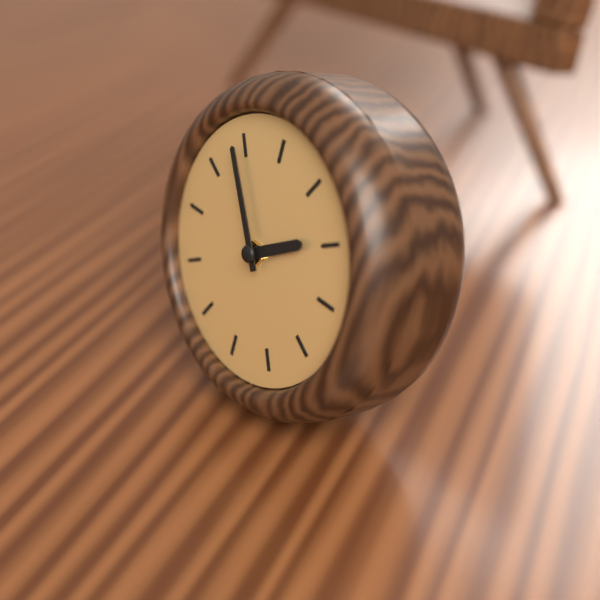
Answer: 1.54
